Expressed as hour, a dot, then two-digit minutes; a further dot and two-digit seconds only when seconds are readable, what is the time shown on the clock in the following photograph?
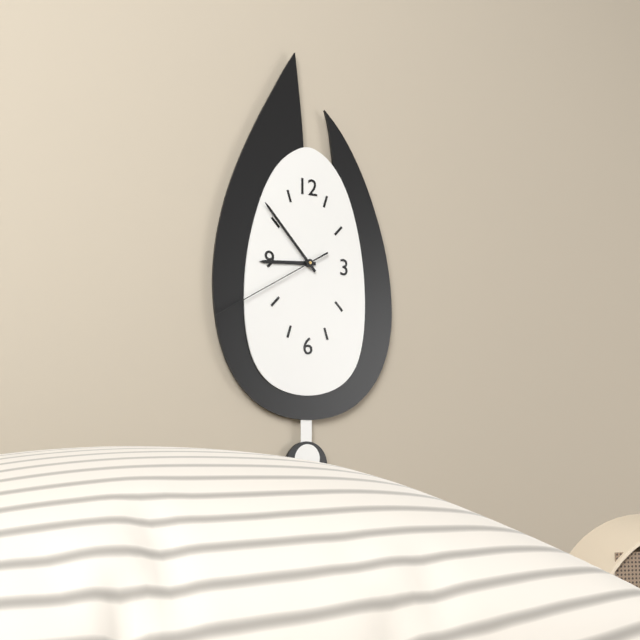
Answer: 8.53.40
